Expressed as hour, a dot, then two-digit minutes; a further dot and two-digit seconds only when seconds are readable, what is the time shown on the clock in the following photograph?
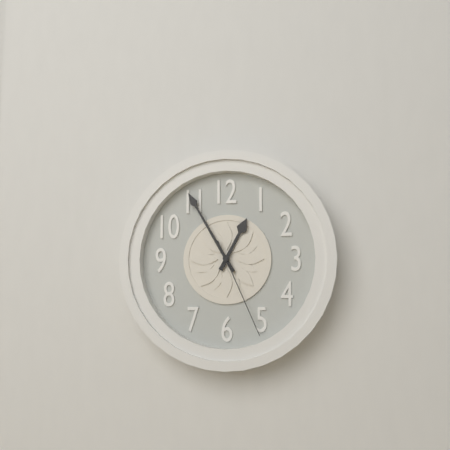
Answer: 12.55.26
